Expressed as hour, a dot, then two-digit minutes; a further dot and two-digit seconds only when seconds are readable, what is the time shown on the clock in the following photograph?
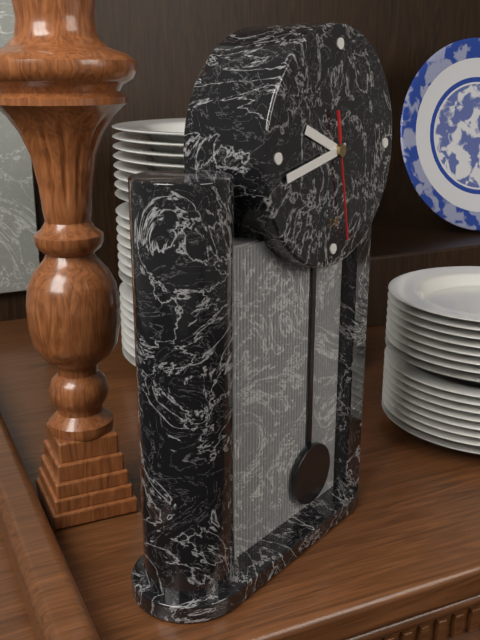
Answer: 9.43.28
